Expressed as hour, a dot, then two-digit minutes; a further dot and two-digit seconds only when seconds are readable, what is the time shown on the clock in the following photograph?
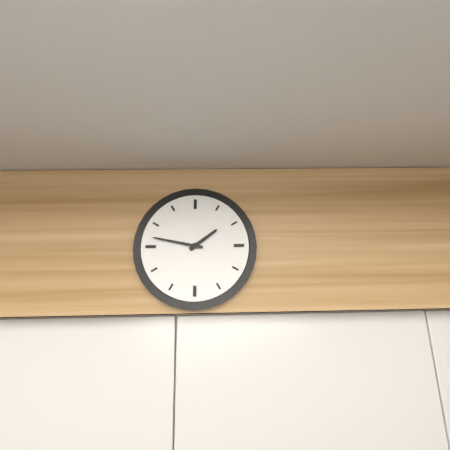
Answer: 1.47
